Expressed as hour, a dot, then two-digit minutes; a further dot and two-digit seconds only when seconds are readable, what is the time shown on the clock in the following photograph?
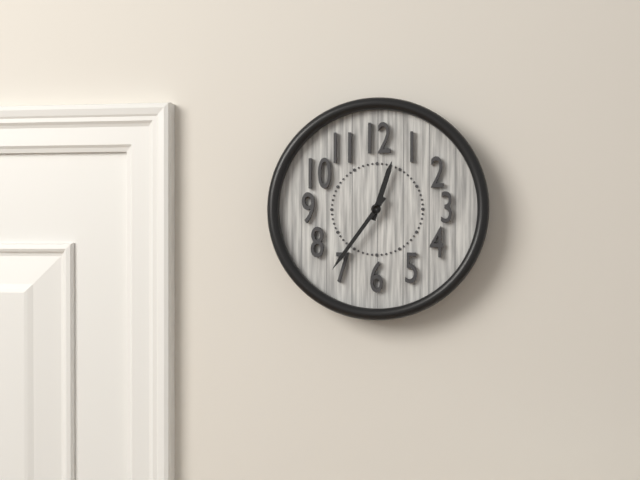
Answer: 12.36
